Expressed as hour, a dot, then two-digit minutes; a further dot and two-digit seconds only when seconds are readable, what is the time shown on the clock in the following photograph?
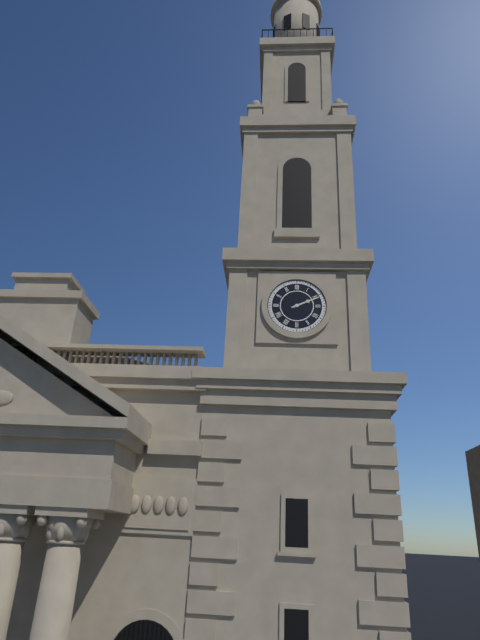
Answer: 2.11
